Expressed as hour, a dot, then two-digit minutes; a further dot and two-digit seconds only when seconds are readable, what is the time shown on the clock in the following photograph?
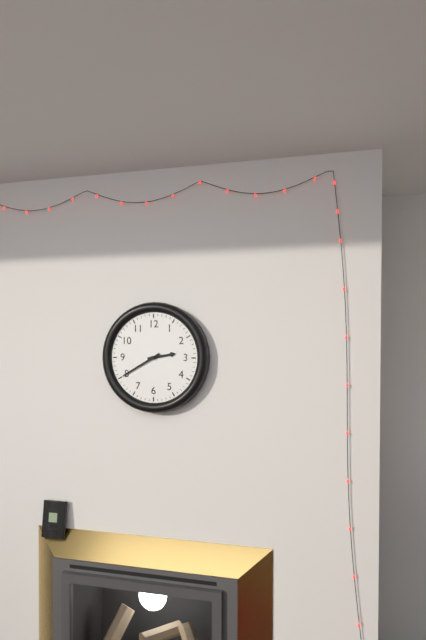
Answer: 2.40
